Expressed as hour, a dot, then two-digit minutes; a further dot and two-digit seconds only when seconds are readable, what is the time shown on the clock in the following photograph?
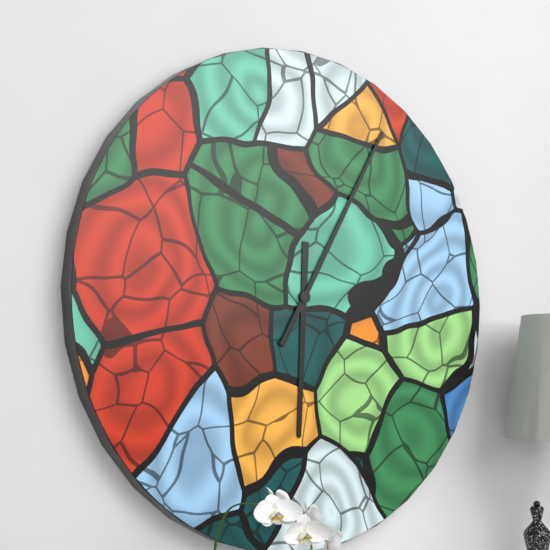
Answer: 6.05
